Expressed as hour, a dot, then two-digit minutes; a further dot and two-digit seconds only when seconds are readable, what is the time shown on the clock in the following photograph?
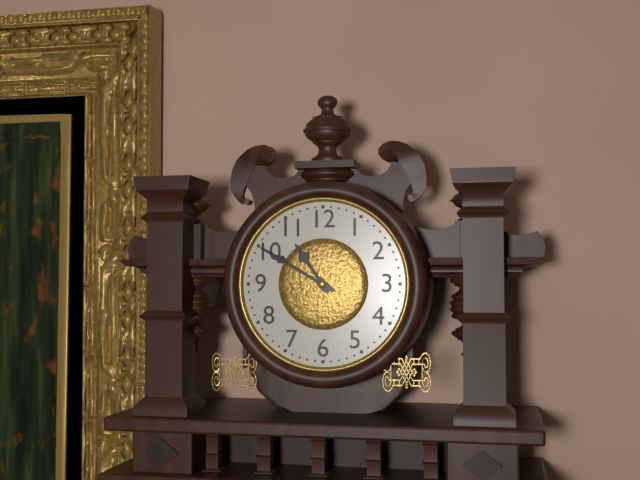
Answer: 10.50
